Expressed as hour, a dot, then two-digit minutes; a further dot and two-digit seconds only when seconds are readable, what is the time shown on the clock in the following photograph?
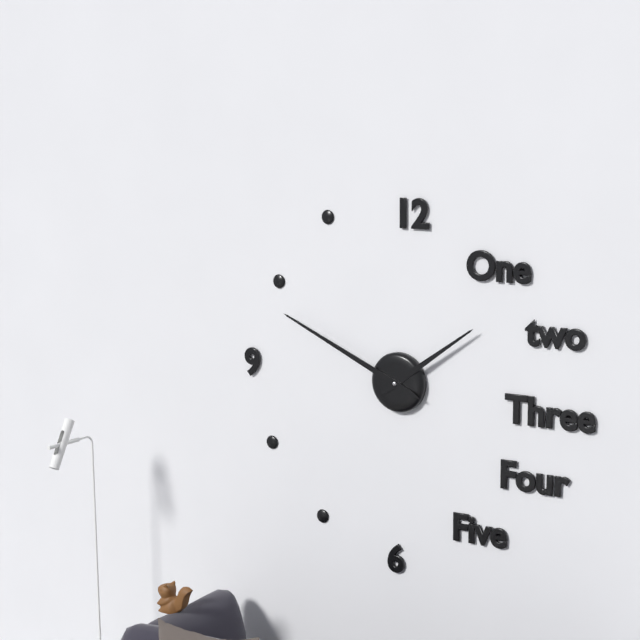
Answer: 1.49
